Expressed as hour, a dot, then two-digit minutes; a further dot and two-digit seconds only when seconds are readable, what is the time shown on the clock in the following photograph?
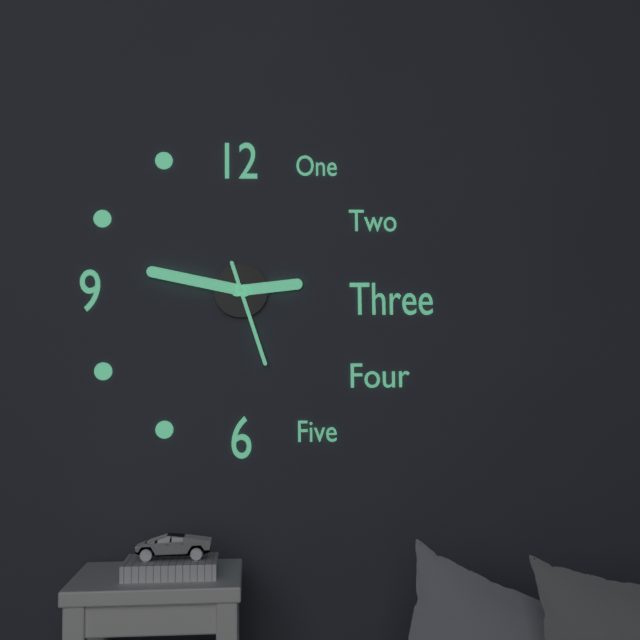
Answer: 2.47.27
